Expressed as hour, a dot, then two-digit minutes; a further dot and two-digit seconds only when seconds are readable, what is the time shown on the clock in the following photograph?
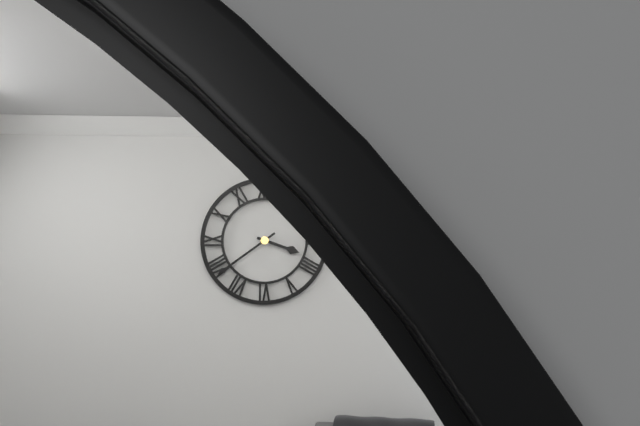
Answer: 3.39
